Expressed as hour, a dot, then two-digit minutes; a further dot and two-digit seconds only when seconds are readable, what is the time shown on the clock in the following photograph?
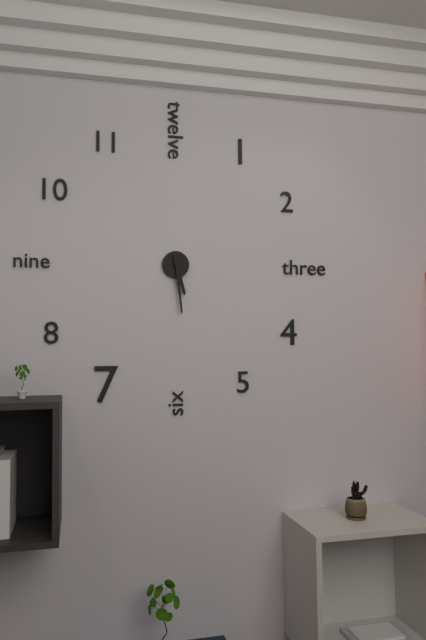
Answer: 5.29
